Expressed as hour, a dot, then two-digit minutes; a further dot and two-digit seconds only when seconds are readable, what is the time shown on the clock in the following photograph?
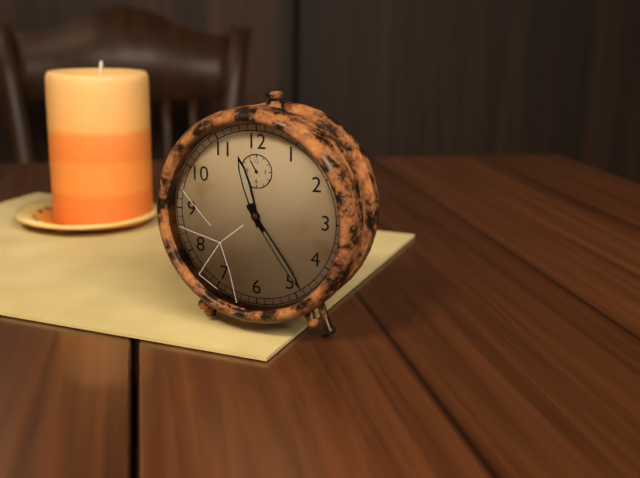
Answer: 11.24
